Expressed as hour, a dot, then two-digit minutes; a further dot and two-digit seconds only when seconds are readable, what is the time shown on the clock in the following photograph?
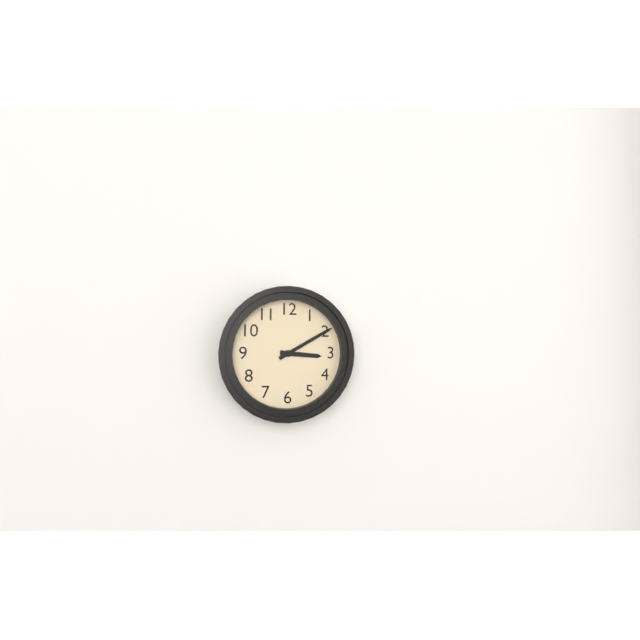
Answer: 3.10
